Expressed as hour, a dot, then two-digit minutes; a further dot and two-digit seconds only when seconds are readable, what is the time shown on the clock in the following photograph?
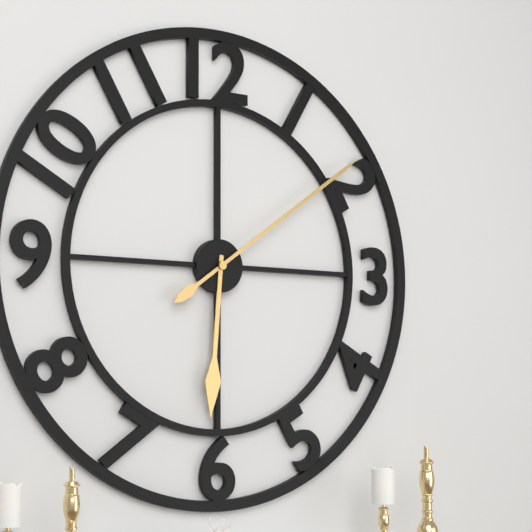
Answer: 6.09
